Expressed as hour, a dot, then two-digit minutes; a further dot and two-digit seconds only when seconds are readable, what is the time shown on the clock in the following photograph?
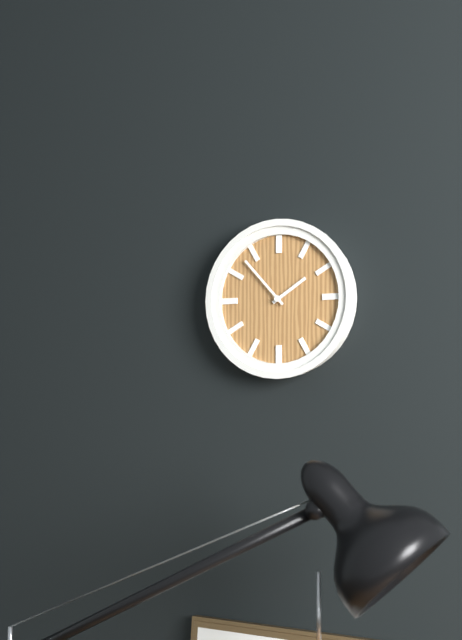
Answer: 1.53
